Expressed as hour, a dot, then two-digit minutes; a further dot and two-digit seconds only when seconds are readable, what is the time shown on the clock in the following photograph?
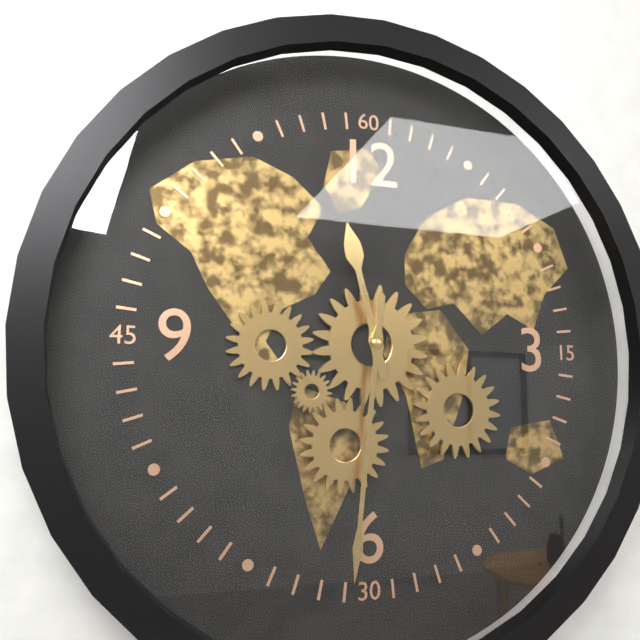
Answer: 11.31
